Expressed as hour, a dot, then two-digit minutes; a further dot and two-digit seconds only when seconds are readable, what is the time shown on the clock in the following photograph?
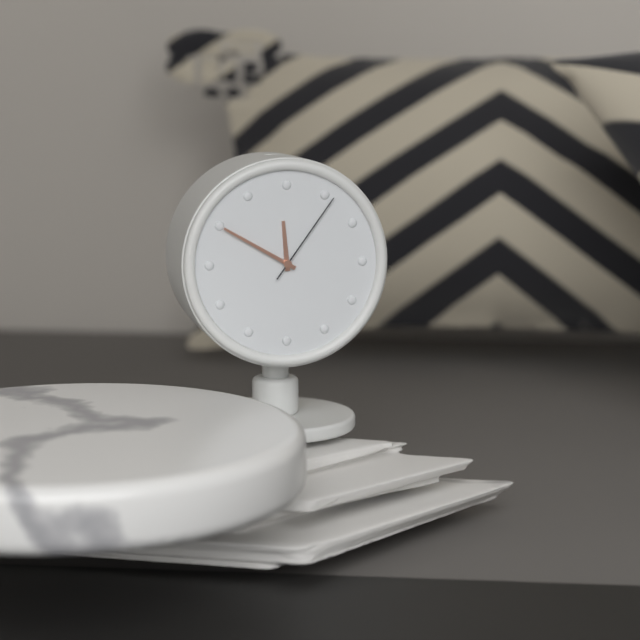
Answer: 11.50.06
